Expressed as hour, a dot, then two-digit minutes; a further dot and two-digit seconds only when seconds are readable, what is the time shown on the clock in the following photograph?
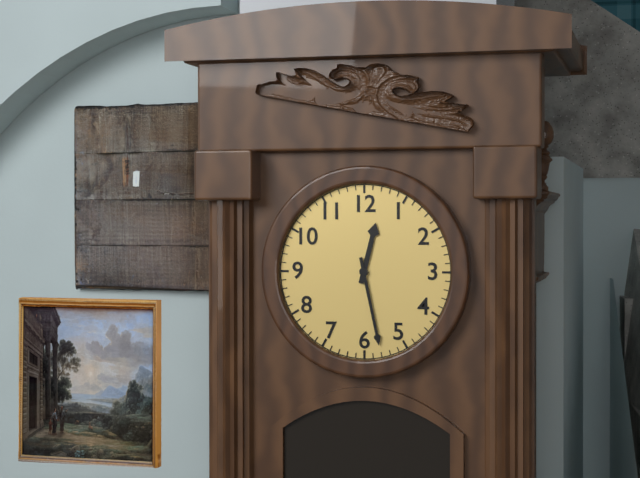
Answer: 12.28
